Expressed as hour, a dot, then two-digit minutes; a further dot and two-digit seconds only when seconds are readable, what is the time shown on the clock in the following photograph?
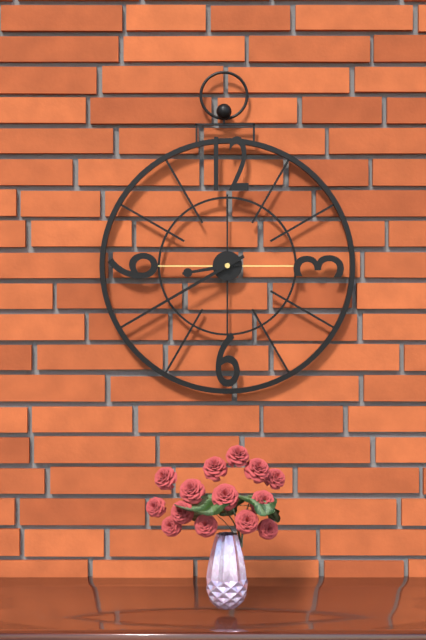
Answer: 8.40
